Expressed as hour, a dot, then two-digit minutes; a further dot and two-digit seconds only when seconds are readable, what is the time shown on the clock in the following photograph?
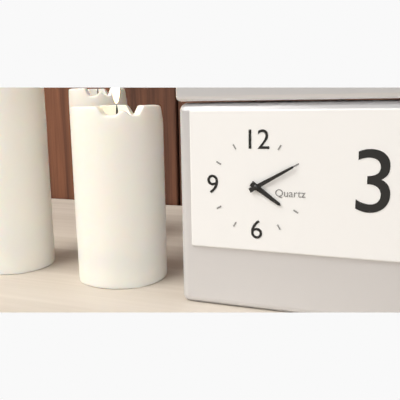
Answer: 4.10
